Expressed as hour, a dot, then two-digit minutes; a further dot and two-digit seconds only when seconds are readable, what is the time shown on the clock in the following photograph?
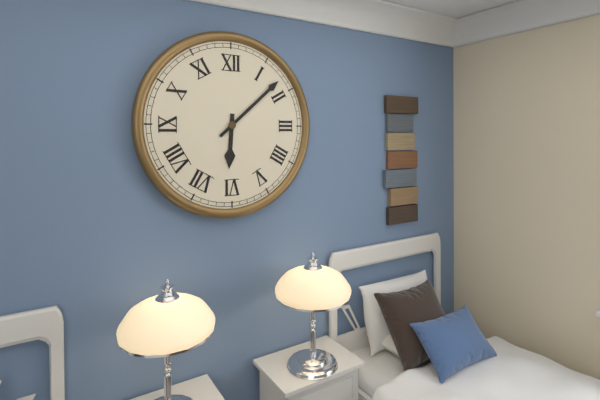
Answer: 6.08
